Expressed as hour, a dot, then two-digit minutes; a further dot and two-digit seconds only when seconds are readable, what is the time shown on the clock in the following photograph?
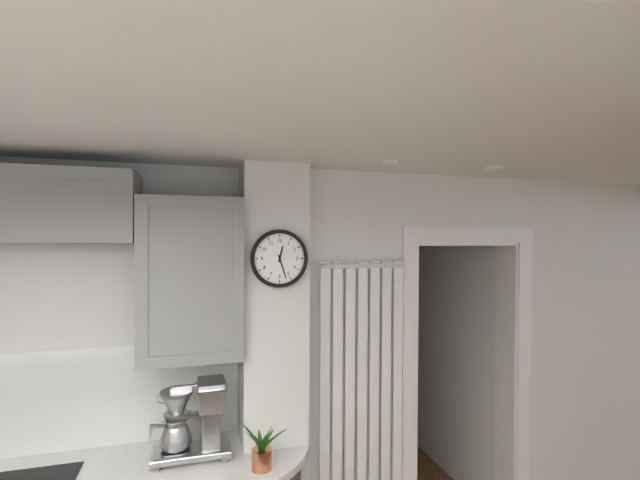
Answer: 12.27
